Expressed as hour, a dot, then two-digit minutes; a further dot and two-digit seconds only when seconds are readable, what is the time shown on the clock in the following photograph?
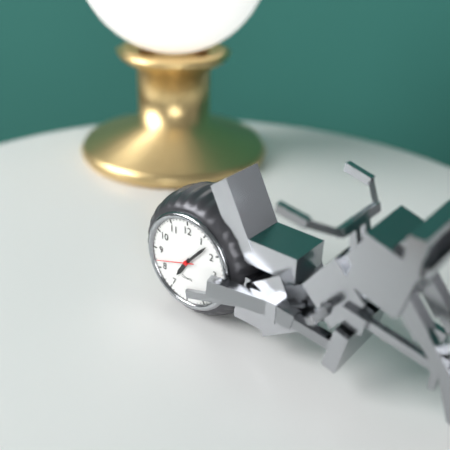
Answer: 7.07
